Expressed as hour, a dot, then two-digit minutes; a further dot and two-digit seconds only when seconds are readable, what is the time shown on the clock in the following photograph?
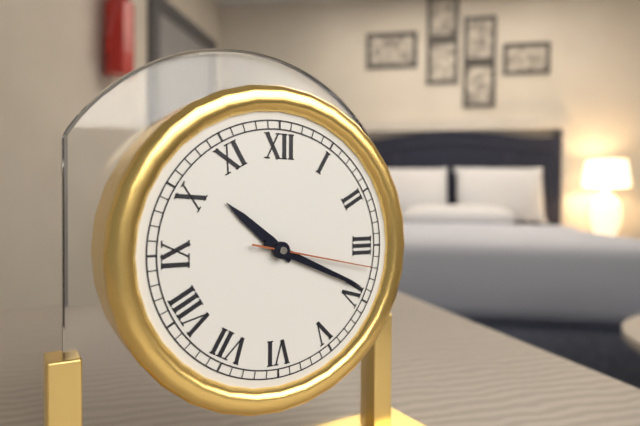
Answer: 10.19.17
